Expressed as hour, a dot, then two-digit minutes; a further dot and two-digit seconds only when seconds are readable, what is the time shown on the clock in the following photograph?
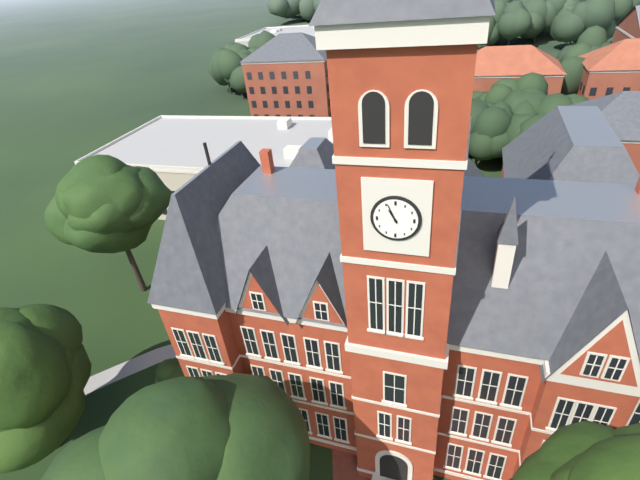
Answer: 10.56
